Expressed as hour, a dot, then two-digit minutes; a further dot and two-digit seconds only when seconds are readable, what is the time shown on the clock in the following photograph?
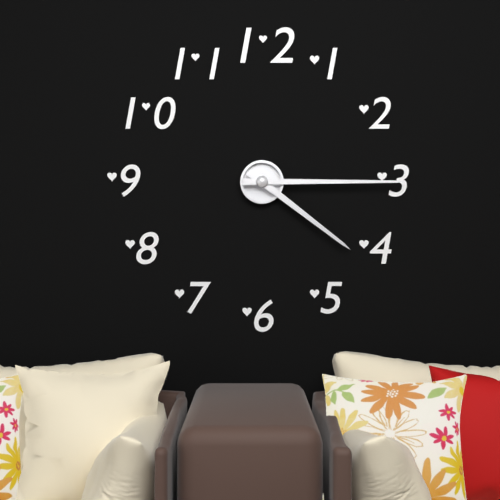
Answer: 4.15
